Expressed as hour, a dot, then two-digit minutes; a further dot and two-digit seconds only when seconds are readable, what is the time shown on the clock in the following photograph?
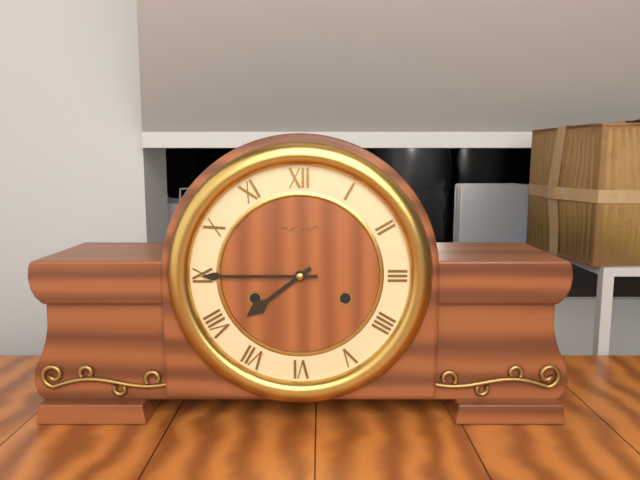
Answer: 7.45
